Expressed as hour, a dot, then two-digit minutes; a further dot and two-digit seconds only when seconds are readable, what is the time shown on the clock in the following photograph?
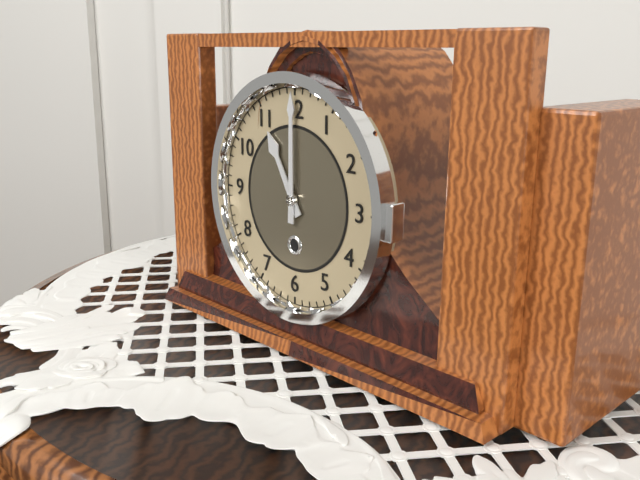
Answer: 11.00
